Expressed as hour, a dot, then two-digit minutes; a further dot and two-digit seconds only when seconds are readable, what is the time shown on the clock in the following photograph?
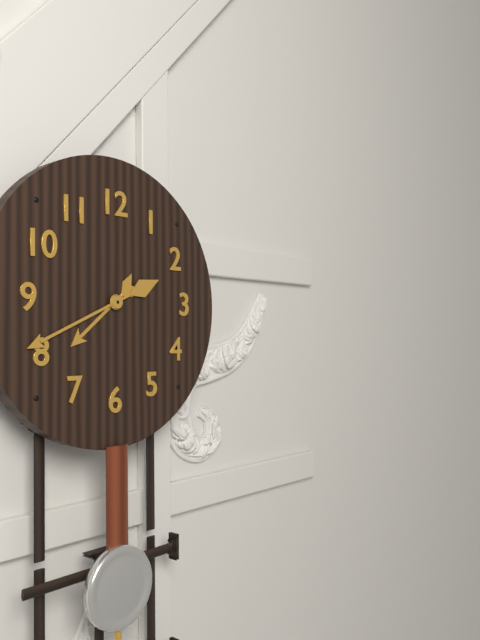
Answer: 7.41
